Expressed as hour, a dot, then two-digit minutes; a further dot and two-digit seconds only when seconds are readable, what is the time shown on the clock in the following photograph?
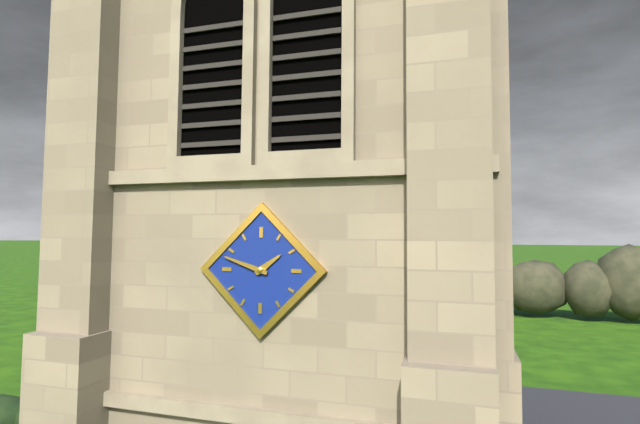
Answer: 1.48
